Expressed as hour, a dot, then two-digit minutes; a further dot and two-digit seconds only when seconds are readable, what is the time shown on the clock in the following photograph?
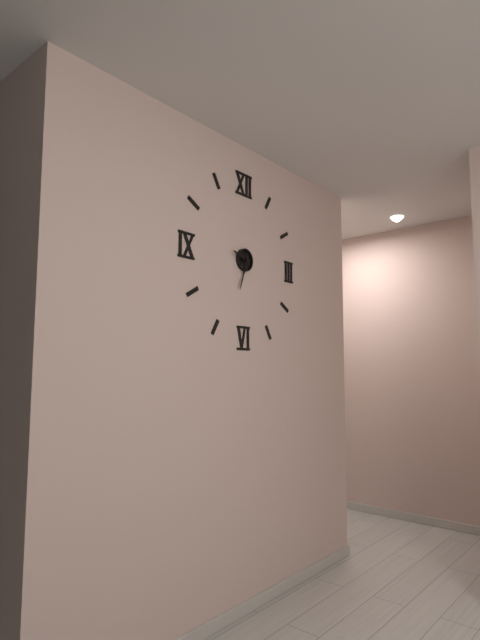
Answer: 9.33
